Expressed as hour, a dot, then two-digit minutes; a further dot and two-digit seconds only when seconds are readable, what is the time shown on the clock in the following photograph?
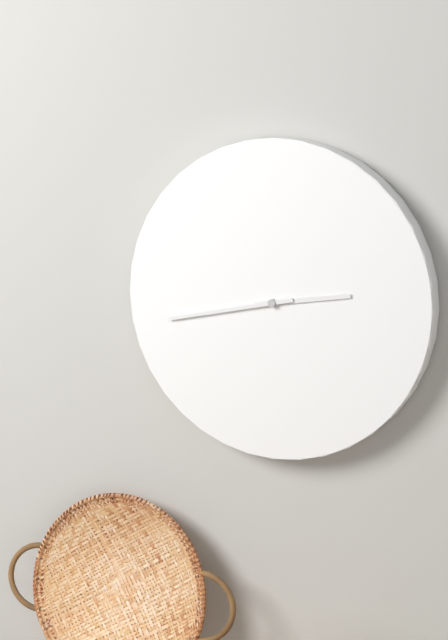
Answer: 2.43
